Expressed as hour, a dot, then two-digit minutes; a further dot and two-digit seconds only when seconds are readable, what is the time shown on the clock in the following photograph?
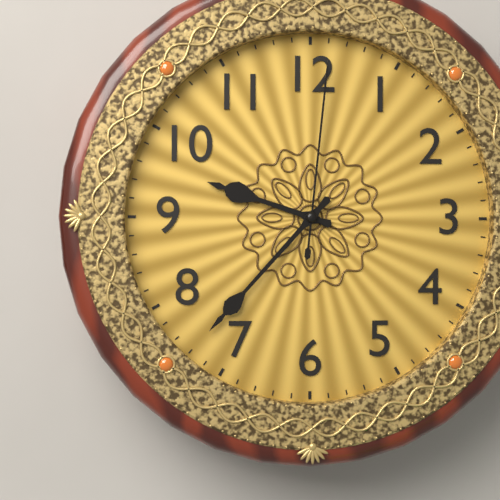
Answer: 9.37.01
